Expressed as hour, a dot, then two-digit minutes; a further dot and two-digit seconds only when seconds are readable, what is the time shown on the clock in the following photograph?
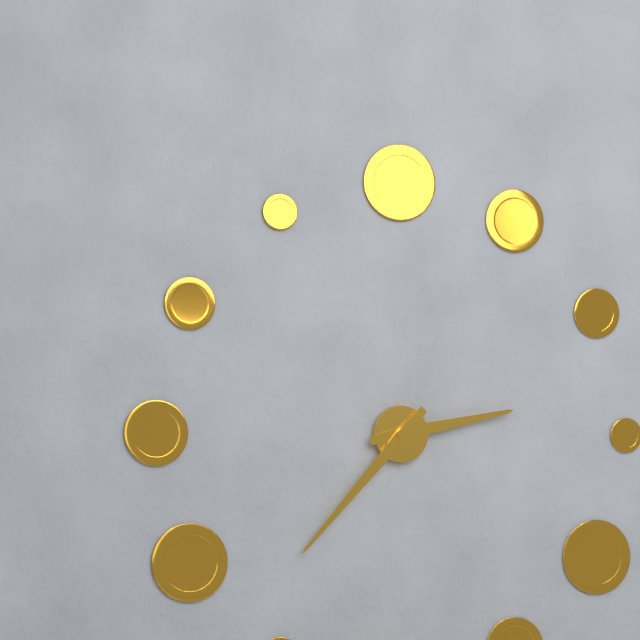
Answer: 2.37
